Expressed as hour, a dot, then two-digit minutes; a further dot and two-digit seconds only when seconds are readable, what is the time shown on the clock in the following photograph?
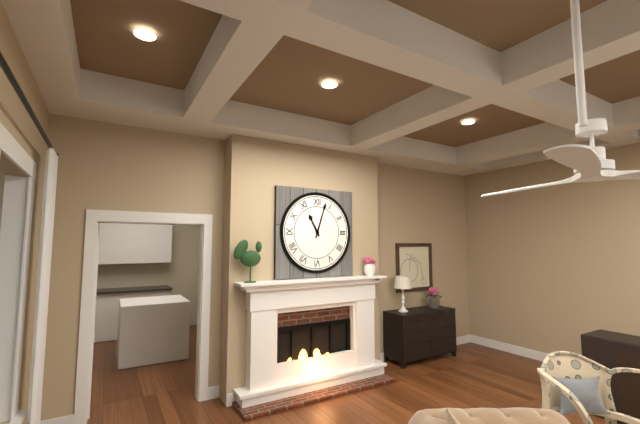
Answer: 11.03
